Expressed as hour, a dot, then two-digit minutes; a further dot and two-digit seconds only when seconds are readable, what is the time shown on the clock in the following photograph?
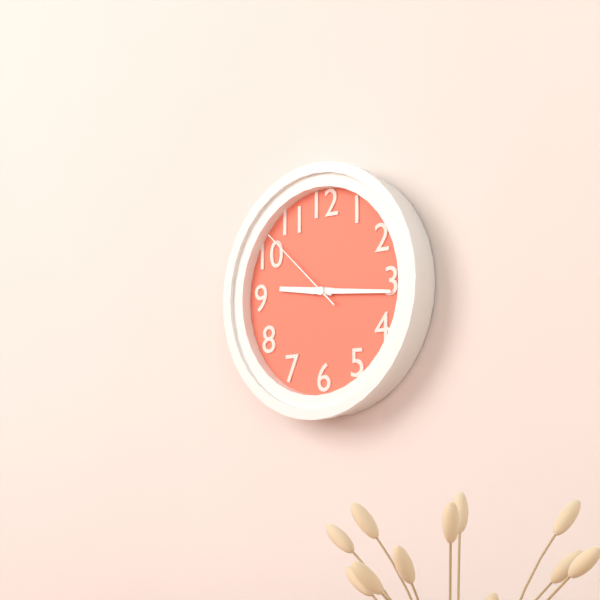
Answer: 9.16.52
